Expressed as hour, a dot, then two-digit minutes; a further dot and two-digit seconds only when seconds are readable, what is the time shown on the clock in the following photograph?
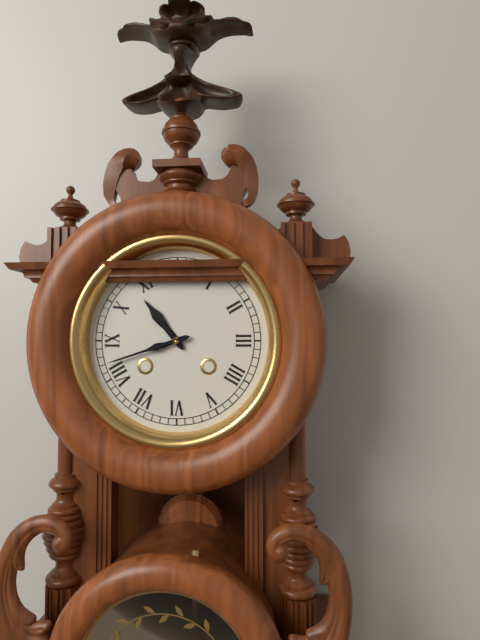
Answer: 10.42
